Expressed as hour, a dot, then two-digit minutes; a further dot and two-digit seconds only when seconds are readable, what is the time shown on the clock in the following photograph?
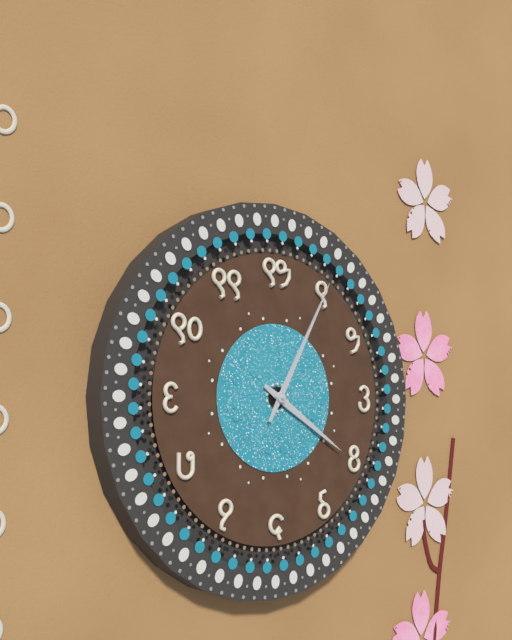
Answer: 4.05
